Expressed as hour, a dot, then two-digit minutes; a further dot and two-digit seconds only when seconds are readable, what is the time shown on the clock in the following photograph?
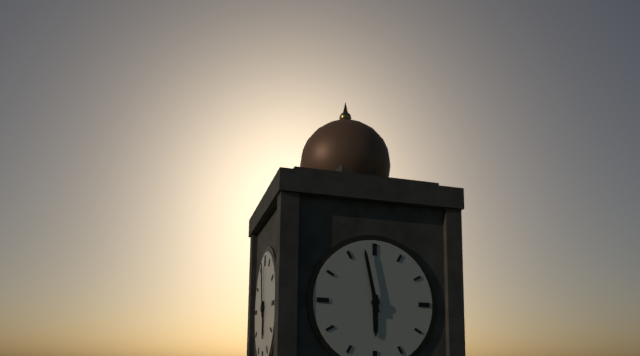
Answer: 5.58
